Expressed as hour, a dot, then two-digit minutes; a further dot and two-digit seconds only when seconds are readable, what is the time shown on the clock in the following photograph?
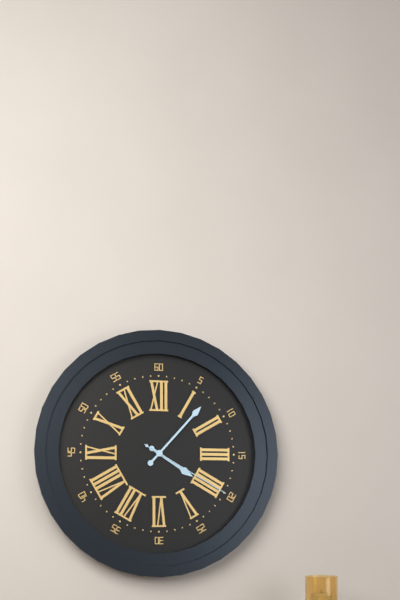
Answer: 4.07.20
